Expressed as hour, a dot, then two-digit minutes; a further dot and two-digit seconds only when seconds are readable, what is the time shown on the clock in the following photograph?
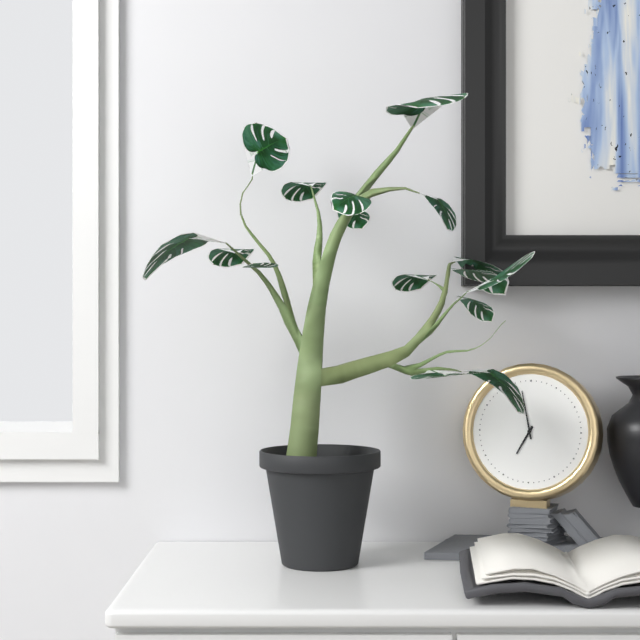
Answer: 6.58
